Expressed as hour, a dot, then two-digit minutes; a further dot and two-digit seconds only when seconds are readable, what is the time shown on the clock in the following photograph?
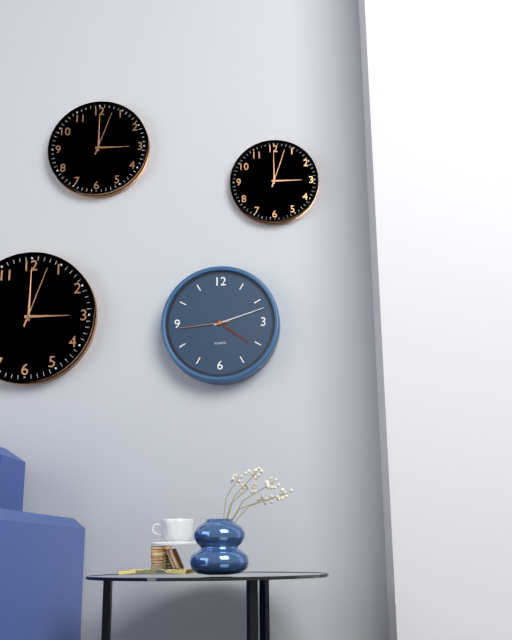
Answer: 4.12.44
